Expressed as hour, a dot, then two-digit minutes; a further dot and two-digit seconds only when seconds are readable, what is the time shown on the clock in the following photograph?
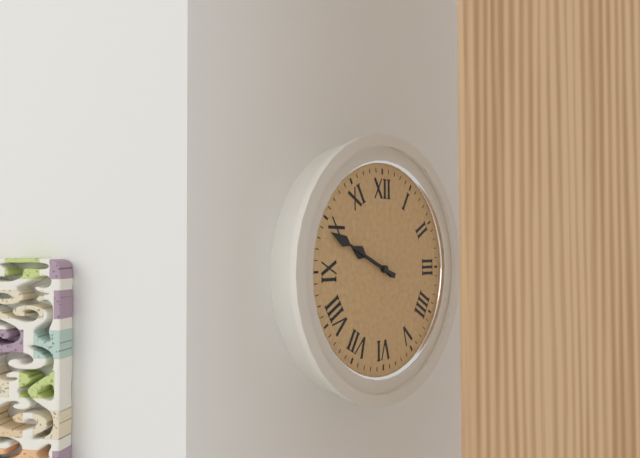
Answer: 9.49
